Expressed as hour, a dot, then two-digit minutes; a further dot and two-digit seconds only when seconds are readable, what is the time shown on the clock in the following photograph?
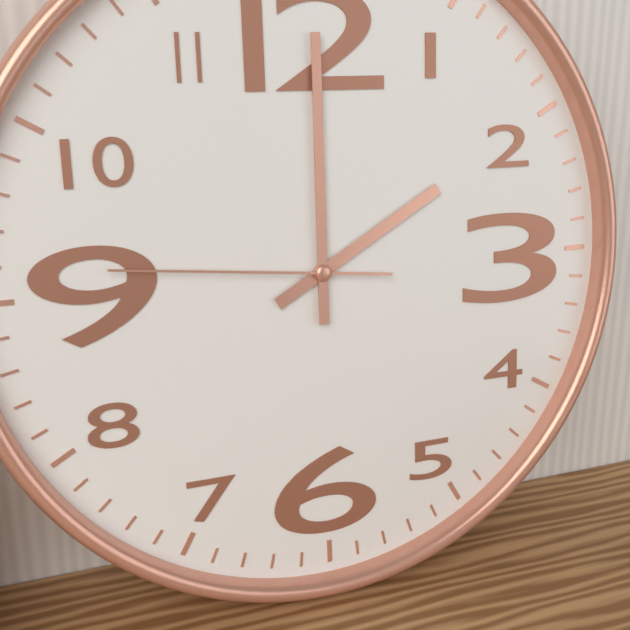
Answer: 2.00.46
